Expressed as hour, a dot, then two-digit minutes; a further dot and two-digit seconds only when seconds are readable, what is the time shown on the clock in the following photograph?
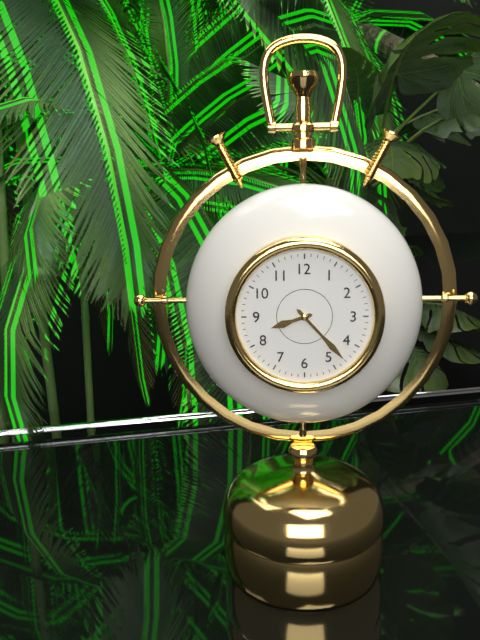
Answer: 8.23
